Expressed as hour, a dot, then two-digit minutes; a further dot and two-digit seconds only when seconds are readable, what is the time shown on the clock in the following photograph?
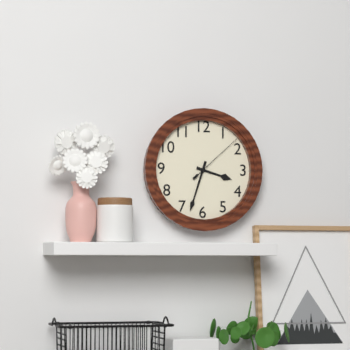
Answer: 3.33.08
